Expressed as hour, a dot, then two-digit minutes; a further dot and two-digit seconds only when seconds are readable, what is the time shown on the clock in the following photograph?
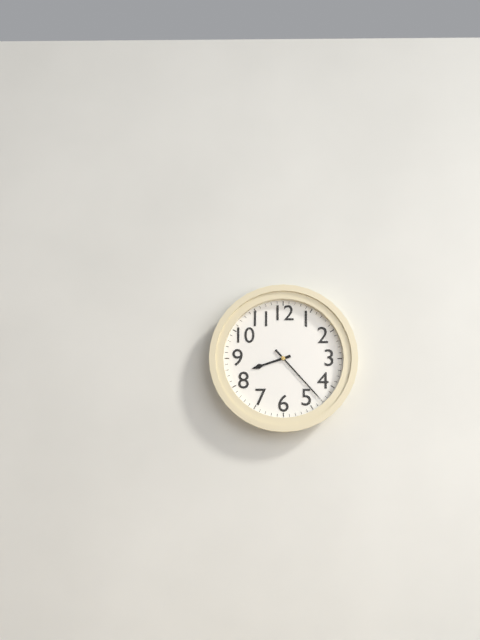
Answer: 8.23
